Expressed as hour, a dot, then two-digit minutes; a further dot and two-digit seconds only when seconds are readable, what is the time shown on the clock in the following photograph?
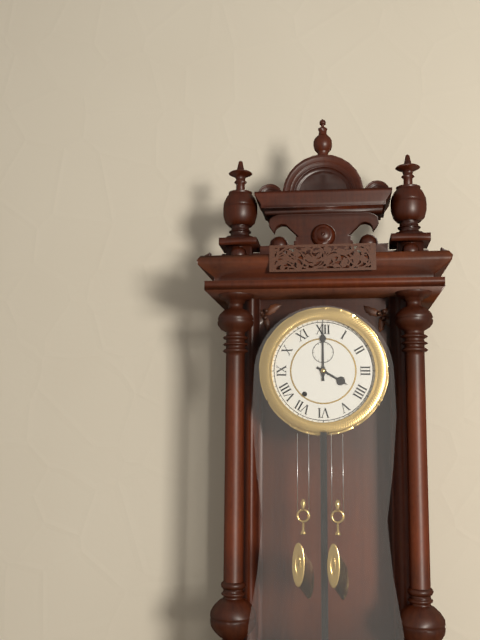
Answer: 4.00
